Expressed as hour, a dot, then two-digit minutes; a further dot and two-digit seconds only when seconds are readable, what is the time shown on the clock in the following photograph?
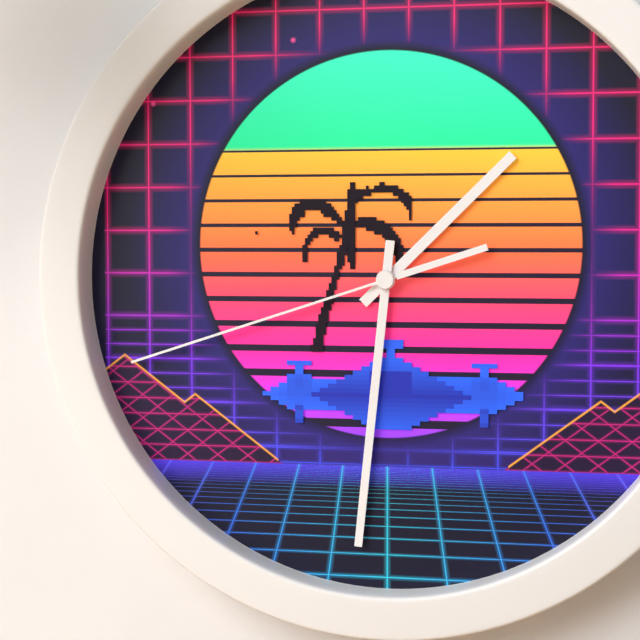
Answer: 1.31.42
